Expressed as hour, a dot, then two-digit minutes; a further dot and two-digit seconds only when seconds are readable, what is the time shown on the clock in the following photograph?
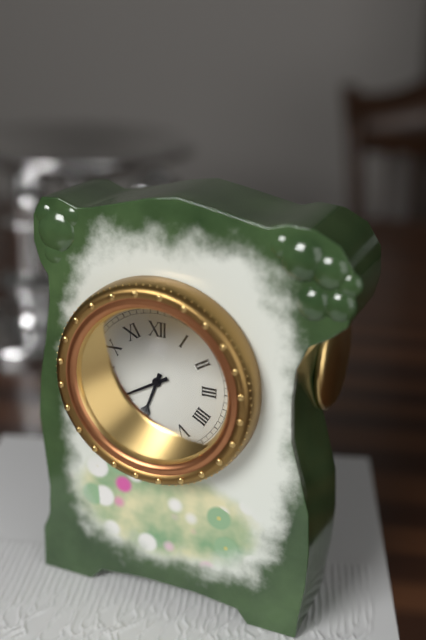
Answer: 6.40
